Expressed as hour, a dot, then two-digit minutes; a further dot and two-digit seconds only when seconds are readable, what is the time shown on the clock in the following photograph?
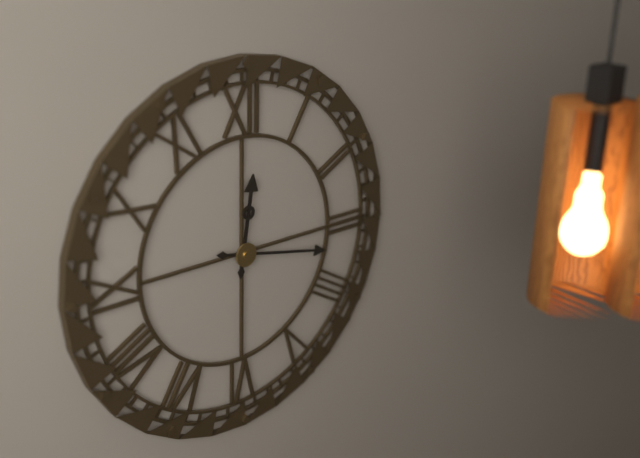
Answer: 12.17
